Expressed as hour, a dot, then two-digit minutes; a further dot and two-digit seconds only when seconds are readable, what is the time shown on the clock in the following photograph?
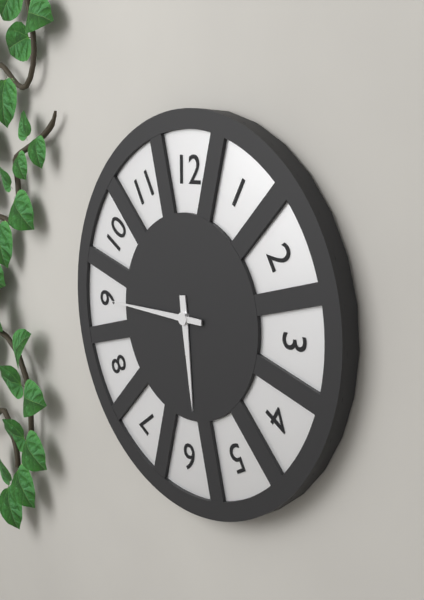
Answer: 5.45
